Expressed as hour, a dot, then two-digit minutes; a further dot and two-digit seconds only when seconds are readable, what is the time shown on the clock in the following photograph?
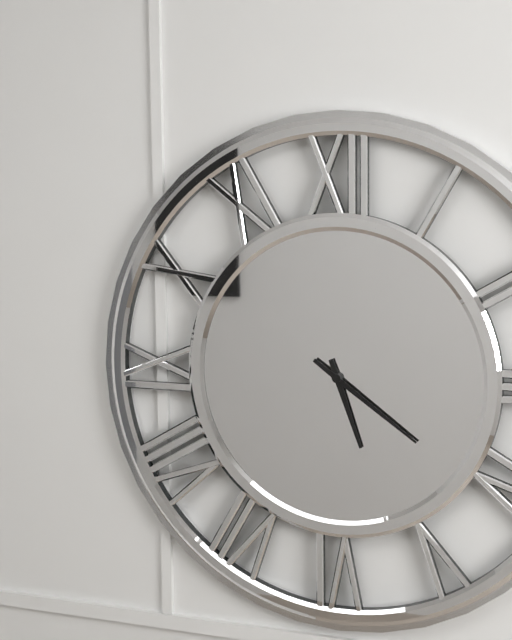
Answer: 5.21
